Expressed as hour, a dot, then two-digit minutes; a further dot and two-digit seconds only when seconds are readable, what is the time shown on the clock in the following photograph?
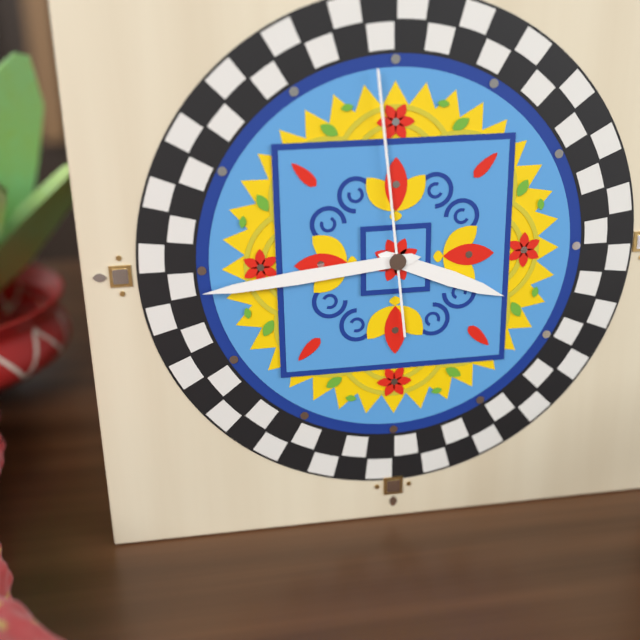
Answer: 3.44.59
